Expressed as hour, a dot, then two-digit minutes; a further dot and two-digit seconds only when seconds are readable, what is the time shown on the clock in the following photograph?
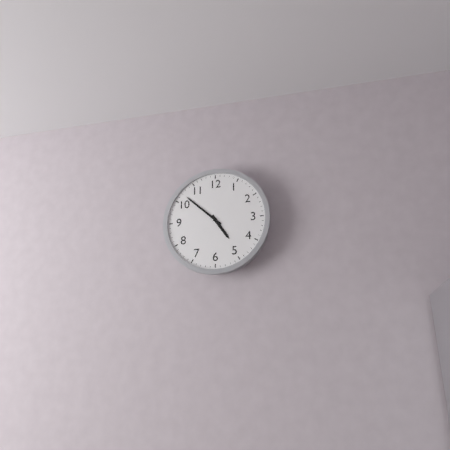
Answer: 4.52
